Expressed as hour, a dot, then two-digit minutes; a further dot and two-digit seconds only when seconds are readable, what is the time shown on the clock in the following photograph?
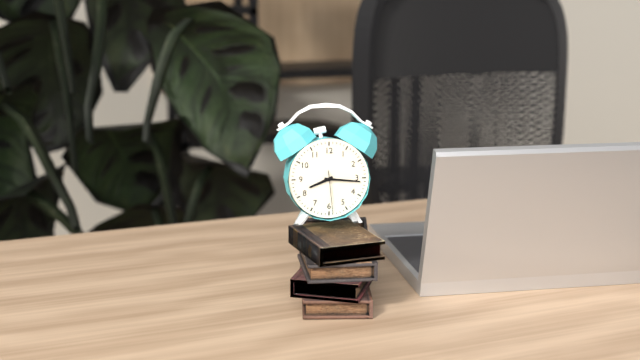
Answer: 8.16
